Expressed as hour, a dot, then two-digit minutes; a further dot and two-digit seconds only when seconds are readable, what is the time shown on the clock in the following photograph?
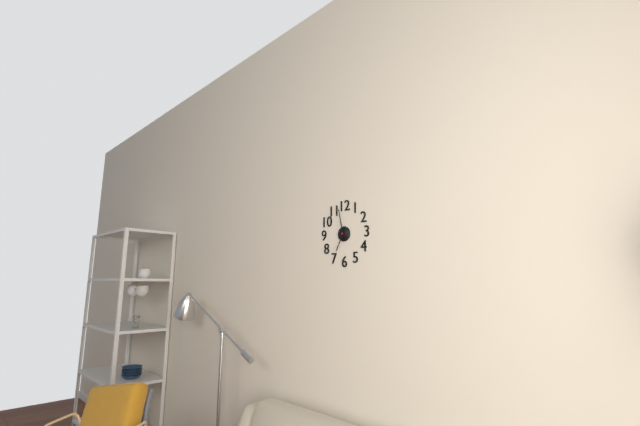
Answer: 6.58
